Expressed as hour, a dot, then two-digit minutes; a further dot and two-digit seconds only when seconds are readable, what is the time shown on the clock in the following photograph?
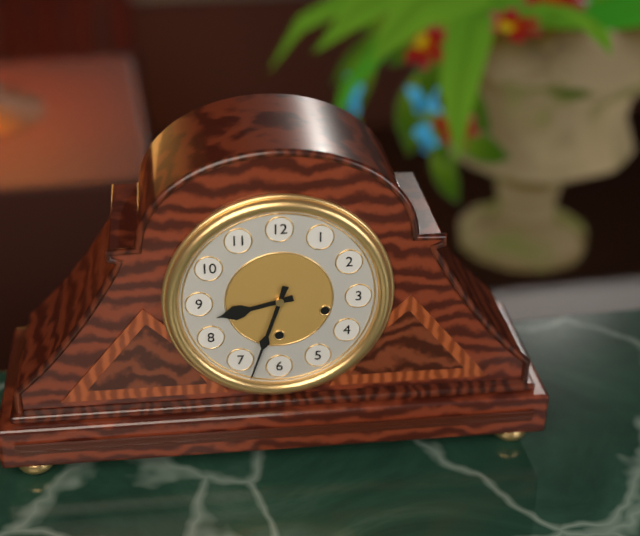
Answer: 8.33
